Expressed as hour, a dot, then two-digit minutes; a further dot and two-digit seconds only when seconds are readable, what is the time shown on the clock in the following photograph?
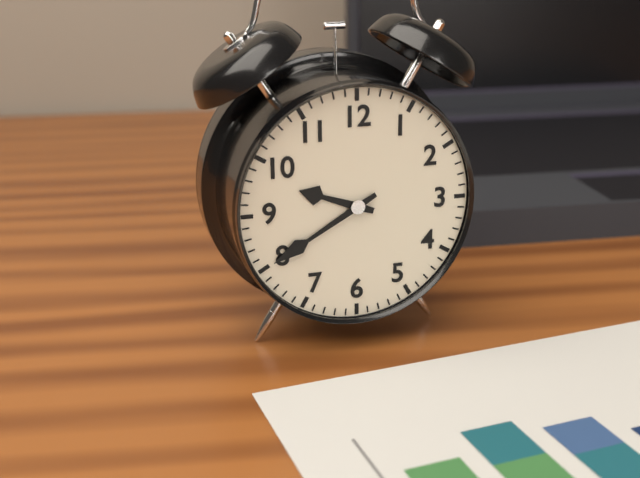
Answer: 9.40
